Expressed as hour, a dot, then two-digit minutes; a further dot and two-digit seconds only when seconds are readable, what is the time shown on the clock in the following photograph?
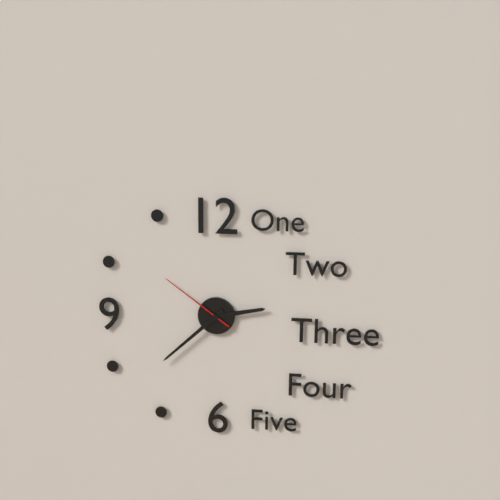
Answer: 2.38.51
